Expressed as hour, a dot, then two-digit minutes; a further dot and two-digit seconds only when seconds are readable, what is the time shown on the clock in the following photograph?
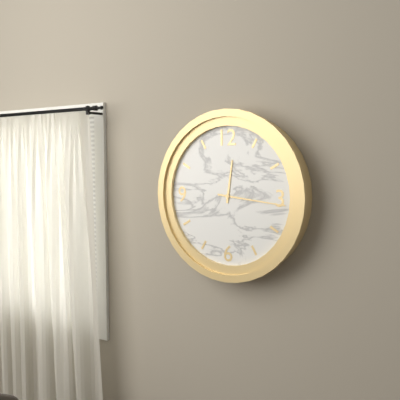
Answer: 12.16
